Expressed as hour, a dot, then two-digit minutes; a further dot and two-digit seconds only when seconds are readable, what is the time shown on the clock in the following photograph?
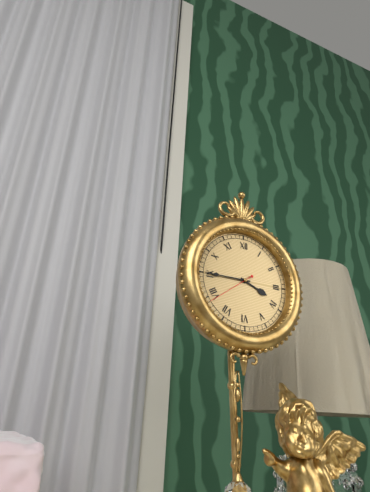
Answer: 3.45
